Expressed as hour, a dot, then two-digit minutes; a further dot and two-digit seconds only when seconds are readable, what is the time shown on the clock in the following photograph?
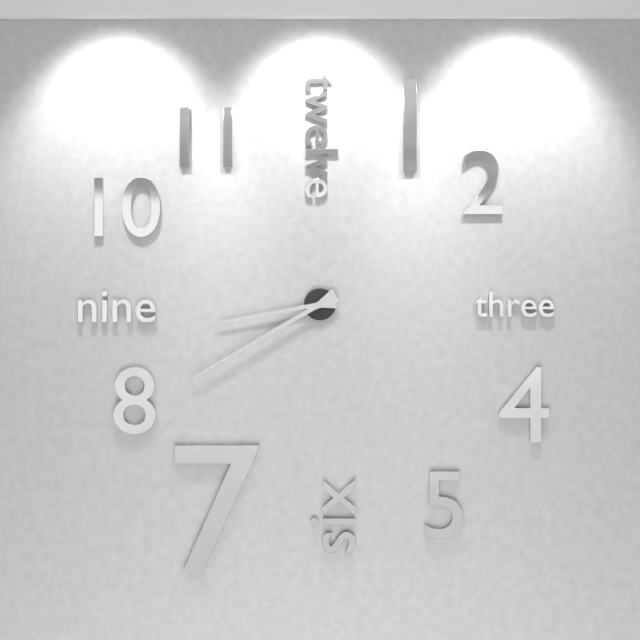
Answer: 8.40
